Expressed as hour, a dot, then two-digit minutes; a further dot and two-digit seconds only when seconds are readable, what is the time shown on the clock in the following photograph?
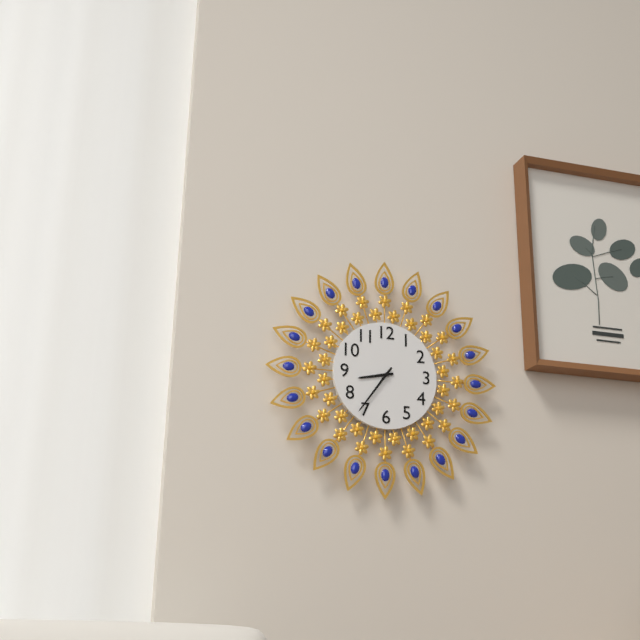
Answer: 8.36
